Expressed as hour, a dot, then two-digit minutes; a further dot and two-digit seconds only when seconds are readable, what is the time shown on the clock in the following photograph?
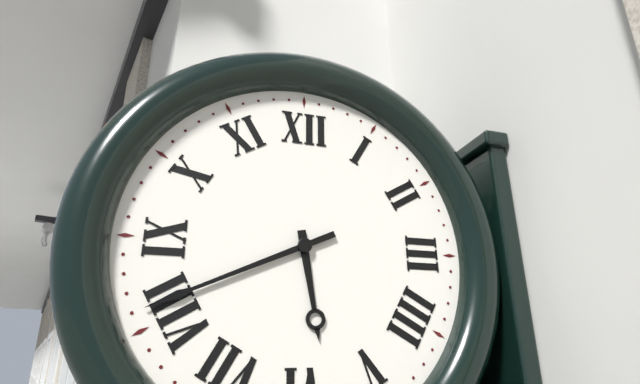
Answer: 5.41
